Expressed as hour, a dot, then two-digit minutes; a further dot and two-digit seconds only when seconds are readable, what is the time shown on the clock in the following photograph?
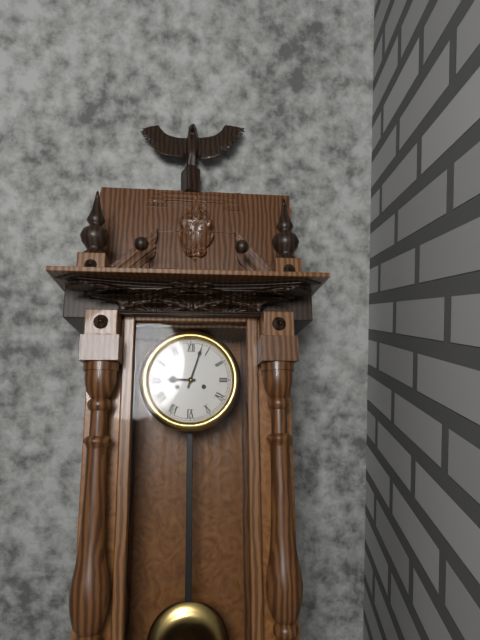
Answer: 9.03
